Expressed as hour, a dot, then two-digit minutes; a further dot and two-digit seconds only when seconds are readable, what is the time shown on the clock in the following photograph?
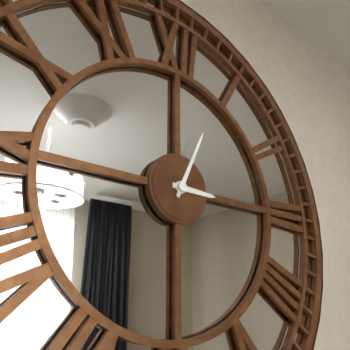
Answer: 3.04
